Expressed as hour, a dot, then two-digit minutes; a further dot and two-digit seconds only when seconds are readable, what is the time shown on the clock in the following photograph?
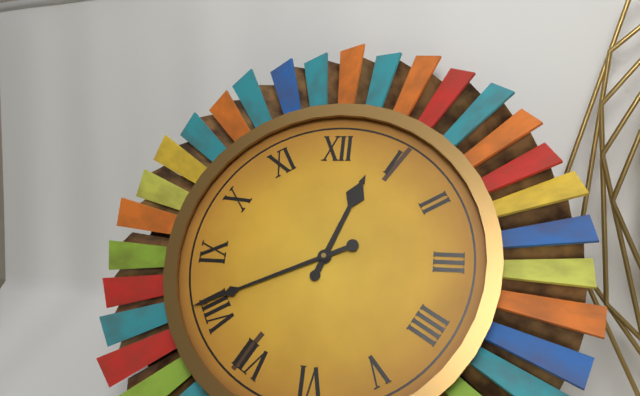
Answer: 12.41
